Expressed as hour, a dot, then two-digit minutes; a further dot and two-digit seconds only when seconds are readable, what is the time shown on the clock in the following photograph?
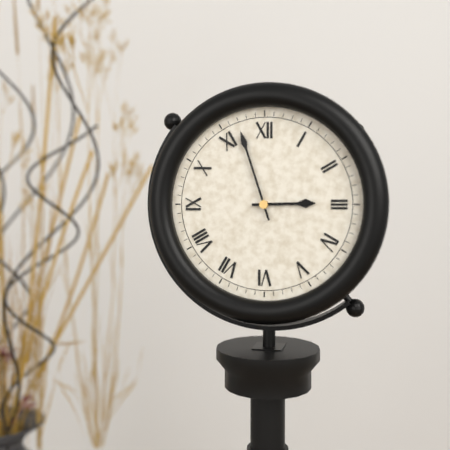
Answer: 2.57
